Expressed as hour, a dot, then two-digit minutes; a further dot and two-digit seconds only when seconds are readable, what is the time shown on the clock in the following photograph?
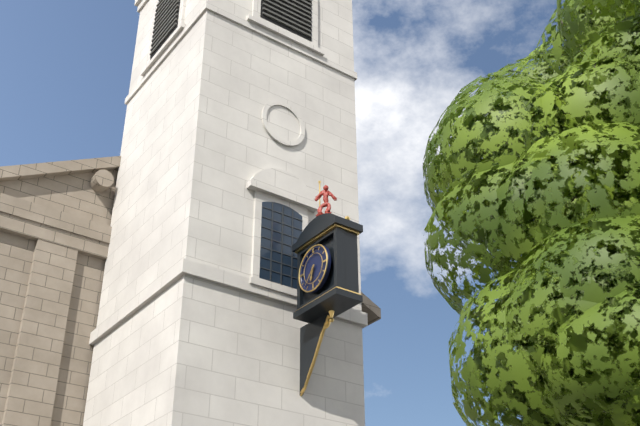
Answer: 6.37
